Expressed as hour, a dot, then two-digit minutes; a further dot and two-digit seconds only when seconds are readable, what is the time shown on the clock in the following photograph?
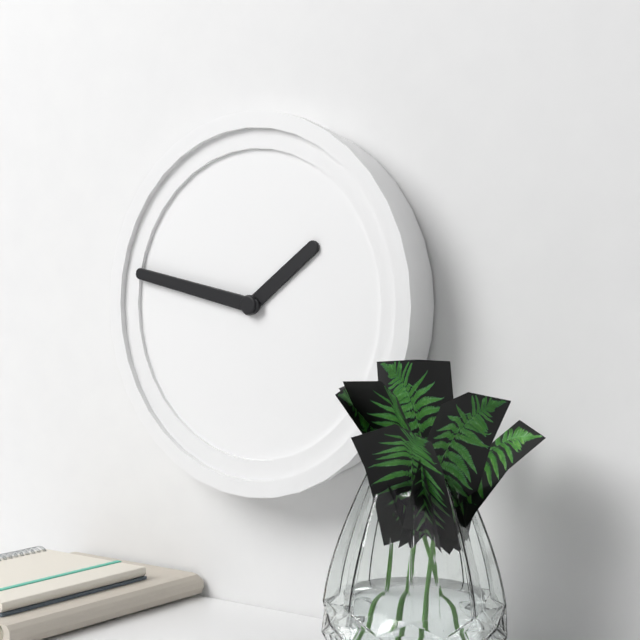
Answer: 1.47
